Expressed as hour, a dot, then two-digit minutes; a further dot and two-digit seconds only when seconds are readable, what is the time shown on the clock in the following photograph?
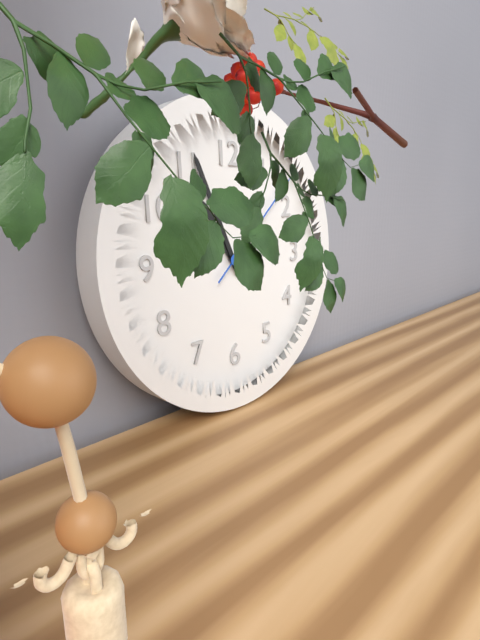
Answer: 10.56.08
